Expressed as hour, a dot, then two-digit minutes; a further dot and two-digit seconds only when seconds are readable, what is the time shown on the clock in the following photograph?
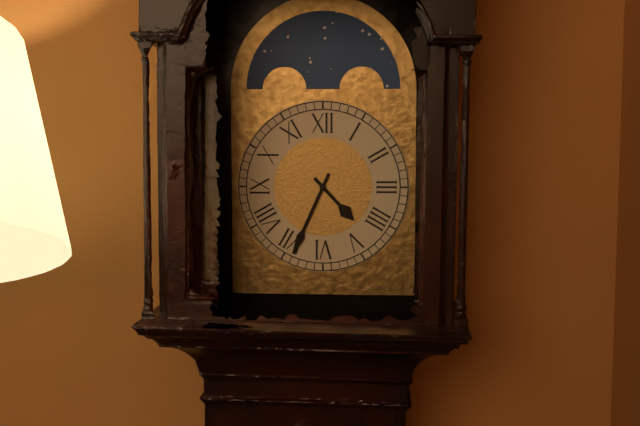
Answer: 4.34
